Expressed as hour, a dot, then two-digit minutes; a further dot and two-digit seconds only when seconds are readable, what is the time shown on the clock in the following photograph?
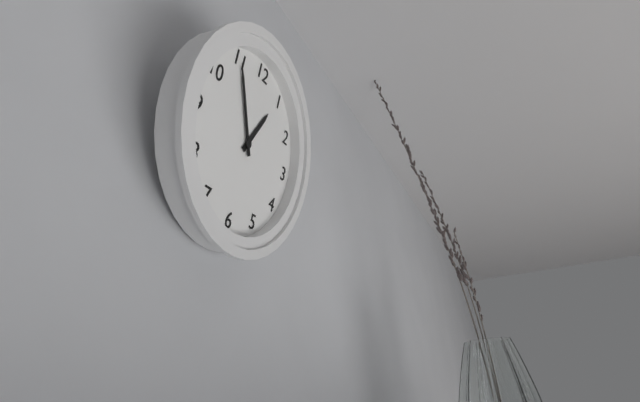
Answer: 12.55
